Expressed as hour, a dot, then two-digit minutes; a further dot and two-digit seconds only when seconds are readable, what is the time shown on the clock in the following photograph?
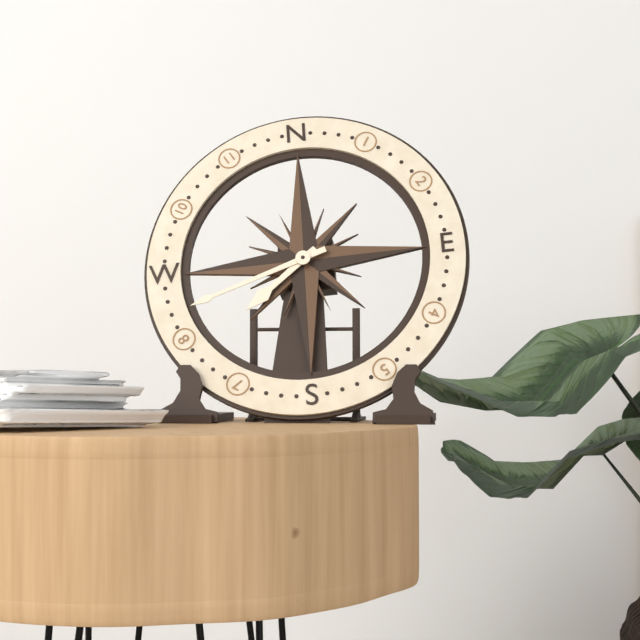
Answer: 7.42
